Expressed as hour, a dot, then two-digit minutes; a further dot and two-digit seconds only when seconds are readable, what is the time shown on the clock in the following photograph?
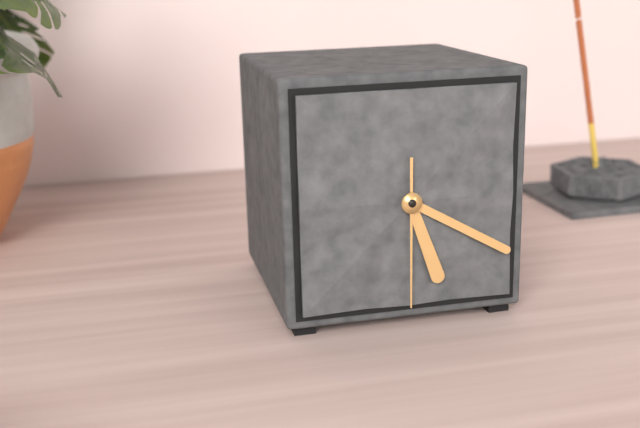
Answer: 5.20.30
